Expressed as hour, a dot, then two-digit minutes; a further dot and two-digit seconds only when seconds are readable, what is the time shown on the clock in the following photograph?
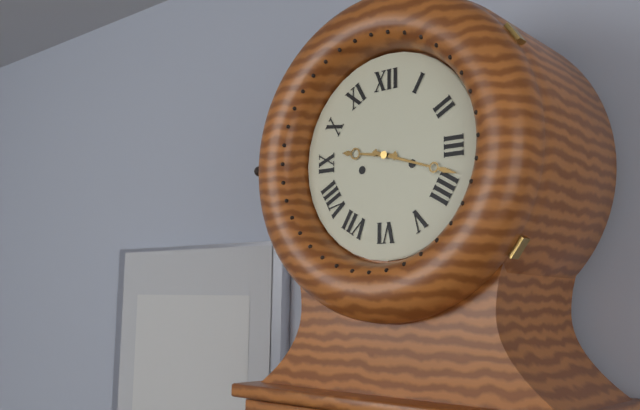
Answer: 9.18
